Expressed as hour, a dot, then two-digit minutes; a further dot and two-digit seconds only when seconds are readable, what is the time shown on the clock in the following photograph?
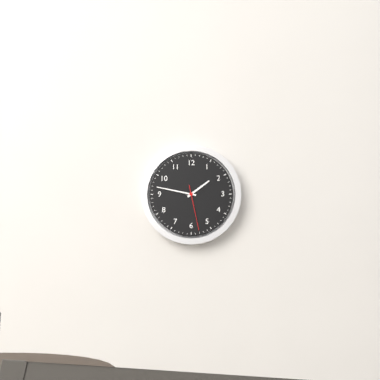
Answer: 1.47
